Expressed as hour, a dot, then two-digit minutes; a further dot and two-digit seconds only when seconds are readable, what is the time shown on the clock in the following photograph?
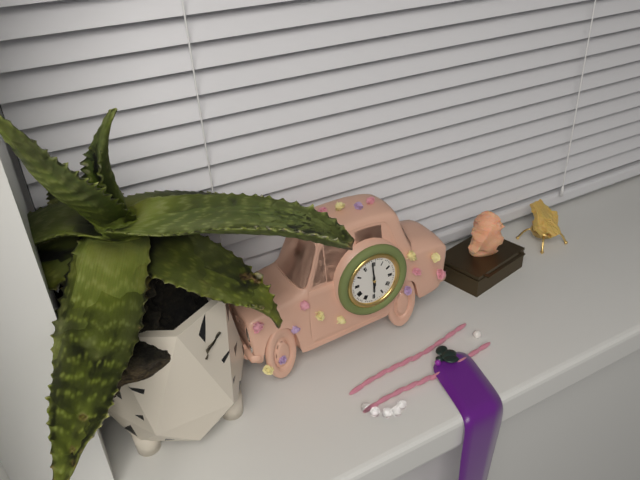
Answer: 5.59
